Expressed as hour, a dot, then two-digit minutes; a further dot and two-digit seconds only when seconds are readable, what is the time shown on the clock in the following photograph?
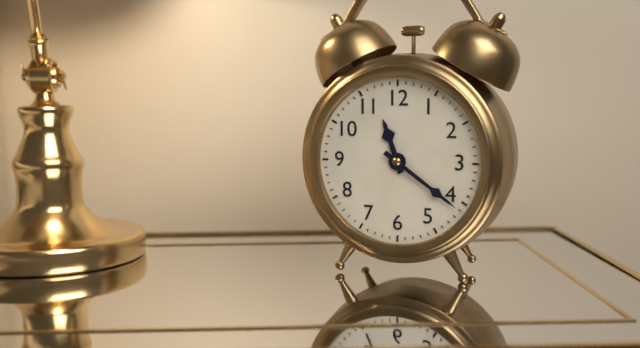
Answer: 11.21
